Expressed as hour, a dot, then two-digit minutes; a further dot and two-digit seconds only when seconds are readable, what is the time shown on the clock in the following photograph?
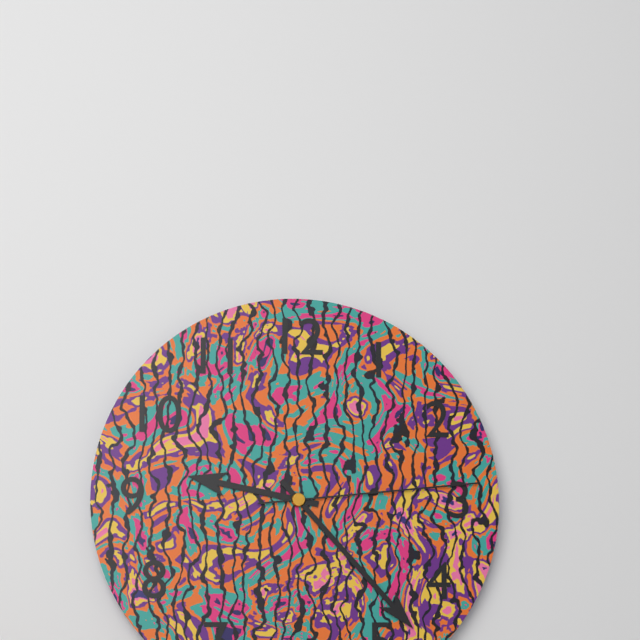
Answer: 9.23.14
